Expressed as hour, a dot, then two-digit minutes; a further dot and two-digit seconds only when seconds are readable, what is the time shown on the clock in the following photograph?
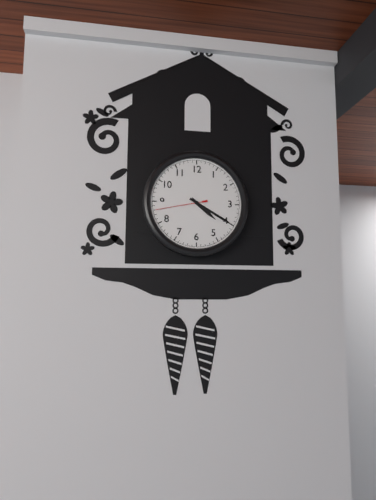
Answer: 4.20.43
